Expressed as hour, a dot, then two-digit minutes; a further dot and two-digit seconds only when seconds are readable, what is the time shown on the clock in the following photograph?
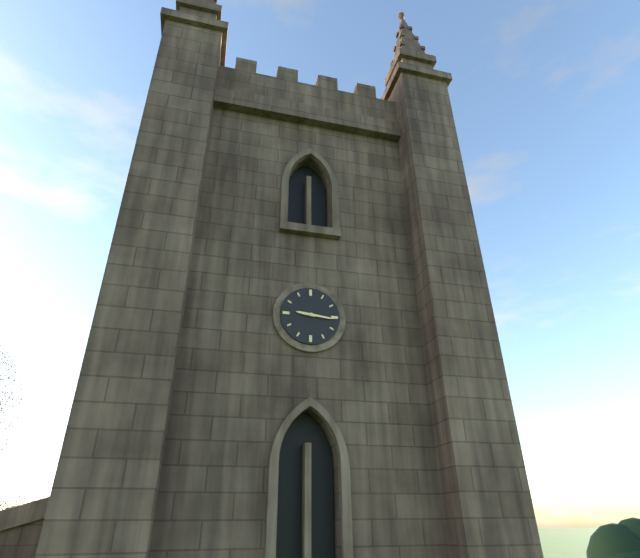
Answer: 9.16
